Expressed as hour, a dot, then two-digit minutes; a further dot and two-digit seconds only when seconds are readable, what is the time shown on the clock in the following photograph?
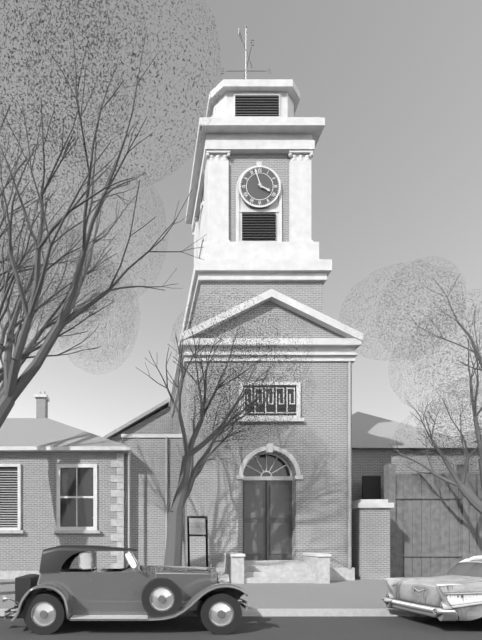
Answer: 3.57
